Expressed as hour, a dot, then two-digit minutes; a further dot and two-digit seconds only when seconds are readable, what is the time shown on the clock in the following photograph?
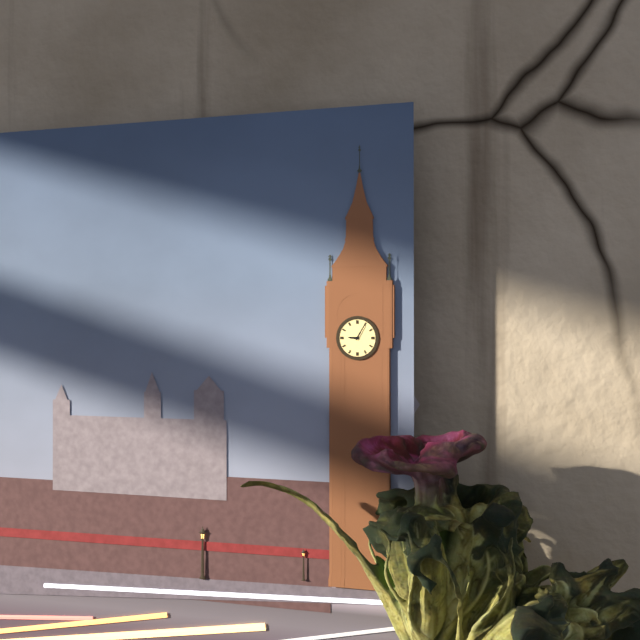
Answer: 9.05
